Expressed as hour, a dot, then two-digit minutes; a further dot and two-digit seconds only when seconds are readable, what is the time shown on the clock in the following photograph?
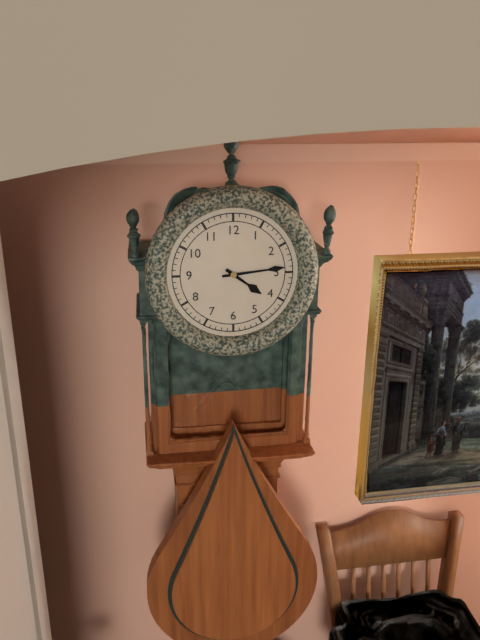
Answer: 4.14
